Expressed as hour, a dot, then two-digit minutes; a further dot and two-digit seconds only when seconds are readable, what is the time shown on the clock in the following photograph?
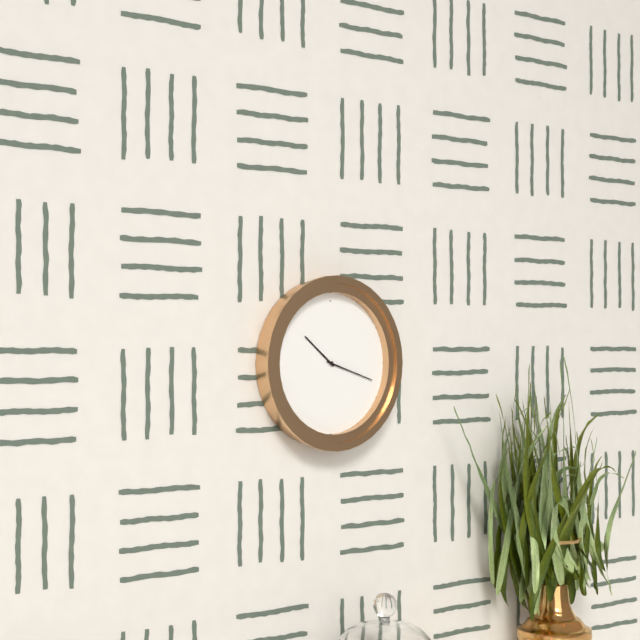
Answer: 10.18
